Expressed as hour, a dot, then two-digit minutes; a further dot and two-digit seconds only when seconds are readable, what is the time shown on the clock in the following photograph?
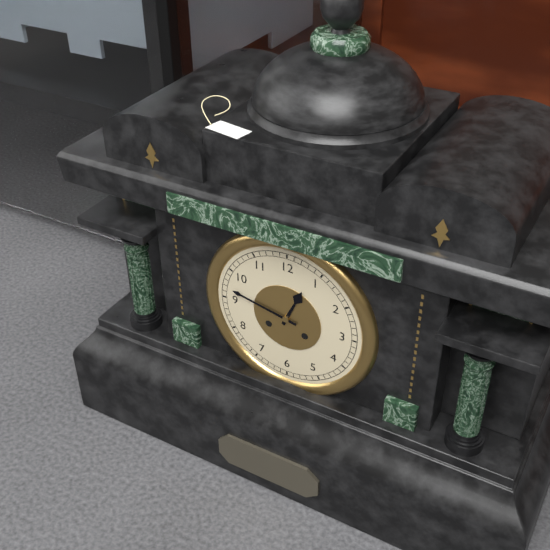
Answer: 12.47
